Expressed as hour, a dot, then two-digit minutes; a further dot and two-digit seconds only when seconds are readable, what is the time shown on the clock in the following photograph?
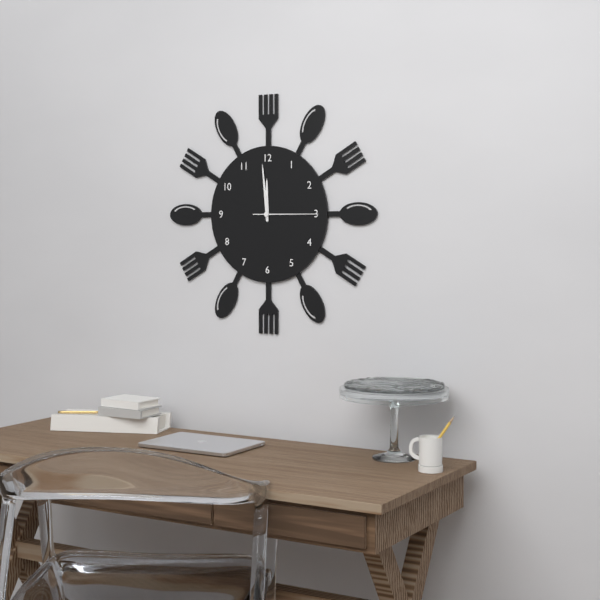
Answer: 11.59.15
